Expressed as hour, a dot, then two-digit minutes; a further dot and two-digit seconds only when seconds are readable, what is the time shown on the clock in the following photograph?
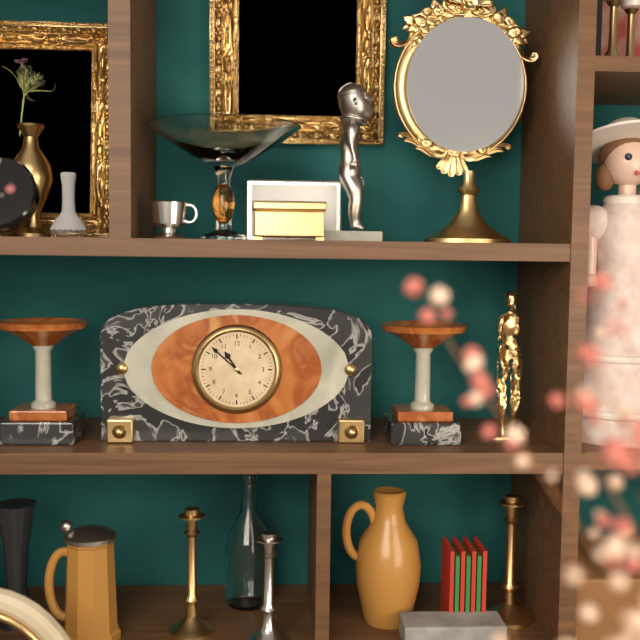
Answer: 10.52
